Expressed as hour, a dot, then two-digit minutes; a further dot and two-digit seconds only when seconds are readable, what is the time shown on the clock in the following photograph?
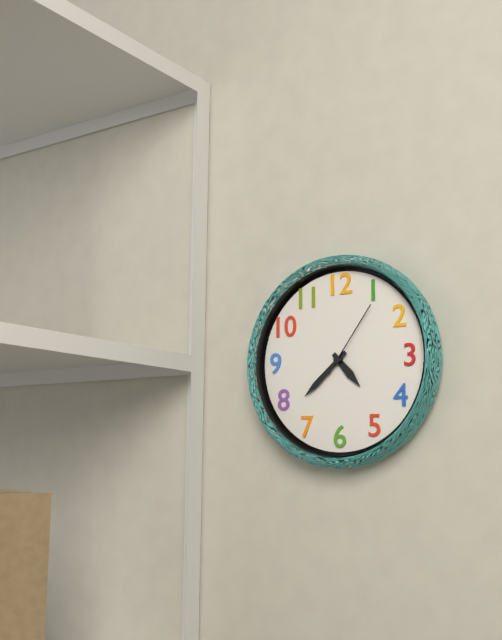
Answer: 4.38.06
